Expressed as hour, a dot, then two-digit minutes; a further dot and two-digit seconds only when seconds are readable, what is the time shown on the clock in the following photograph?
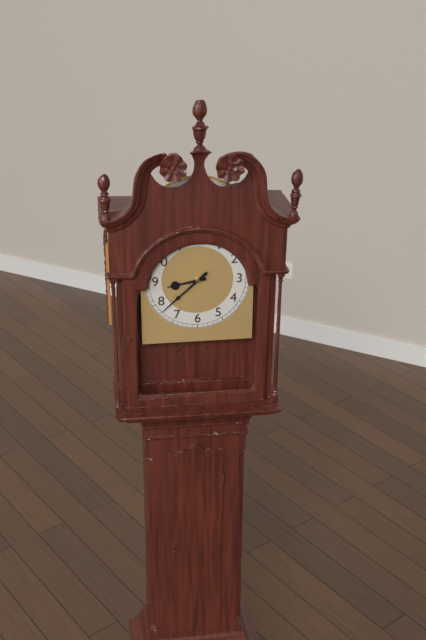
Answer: 8.38
